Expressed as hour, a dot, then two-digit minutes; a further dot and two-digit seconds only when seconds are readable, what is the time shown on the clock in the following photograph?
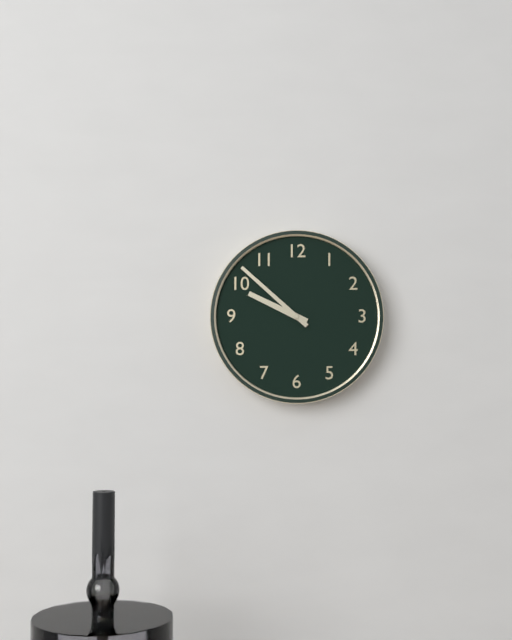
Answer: 9.52
